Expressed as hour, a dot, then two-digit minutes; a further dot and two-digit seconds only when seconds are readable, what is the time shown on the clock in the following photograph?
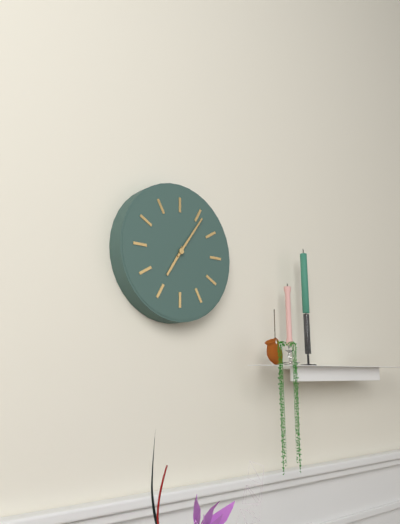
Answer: 7.06
